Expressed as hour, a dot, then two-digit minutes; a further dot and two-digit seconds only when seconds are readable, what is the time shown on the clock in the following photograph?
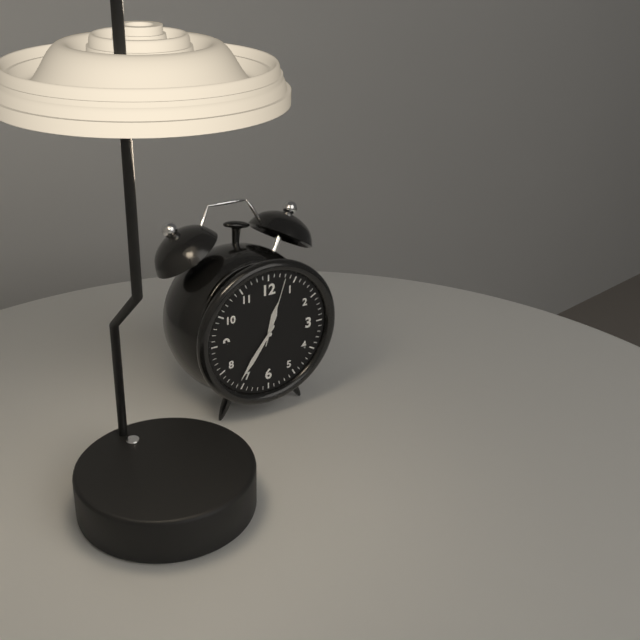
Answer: 12.36.03
